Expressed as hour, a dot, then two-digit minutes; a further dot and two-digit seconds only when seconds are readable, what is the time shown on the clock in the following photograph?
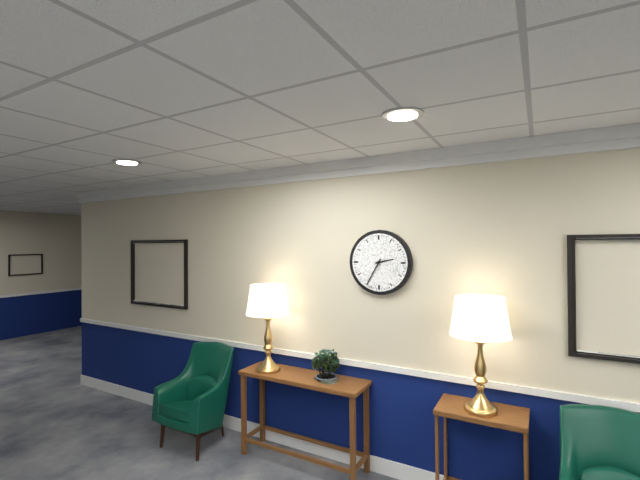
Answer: 2.35
